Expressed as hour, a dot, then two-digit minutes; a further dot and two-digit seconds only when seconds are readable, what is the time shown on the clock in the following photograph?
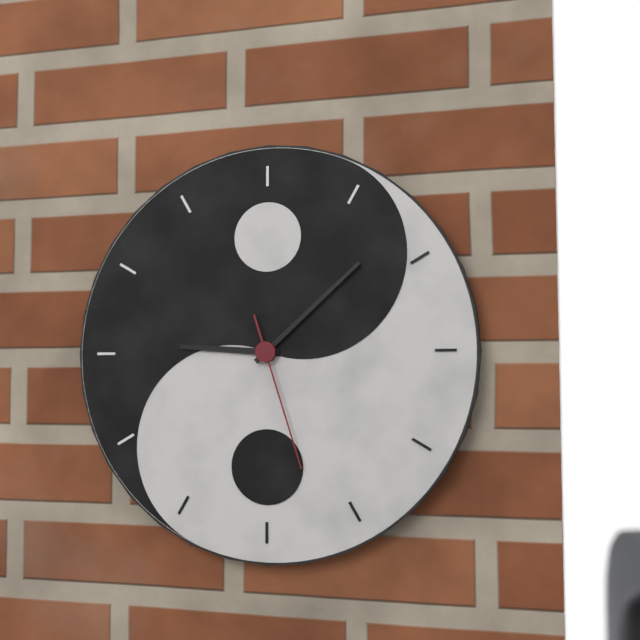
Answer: 9.08.27
